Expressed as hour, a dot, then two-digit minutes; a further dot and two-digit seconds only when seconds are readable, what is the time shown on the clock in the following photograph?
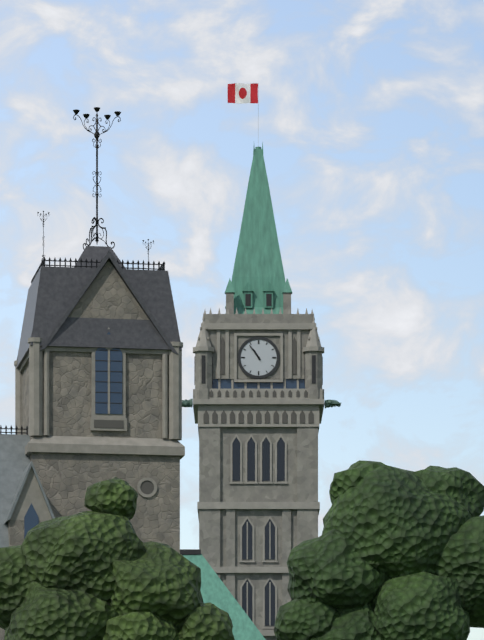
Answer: 10.54
